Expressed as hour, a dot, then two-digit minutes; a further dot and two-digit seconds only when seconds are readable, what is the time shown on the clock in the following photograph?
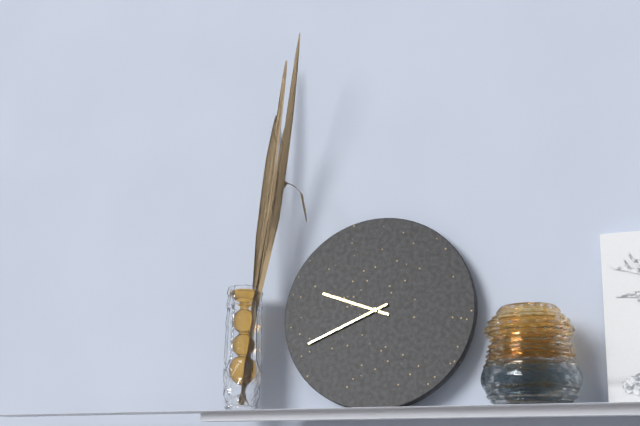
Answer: 9.41
